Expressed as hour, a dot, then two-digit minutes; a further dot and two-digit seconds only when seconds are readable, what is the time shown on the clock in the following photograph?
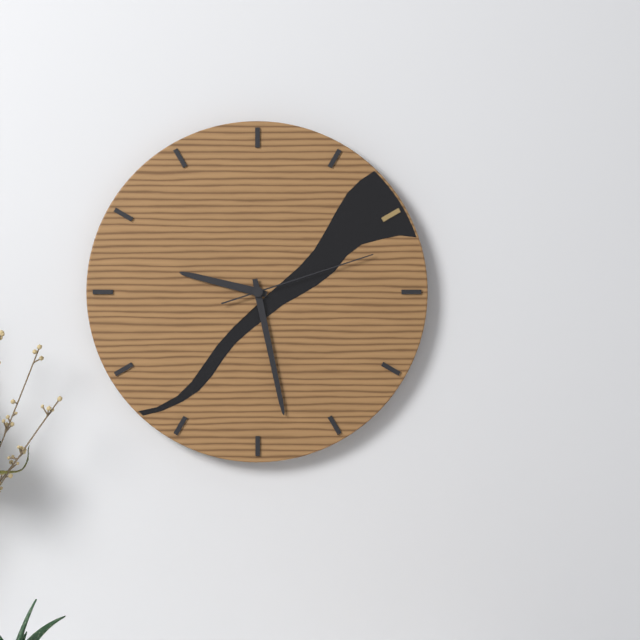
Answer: 9.28.12
